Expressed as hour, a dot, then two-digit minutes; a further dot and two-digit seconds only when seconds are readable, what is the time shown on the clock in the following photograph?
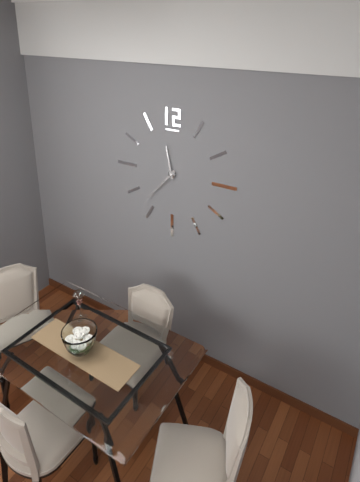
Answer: 11.37
